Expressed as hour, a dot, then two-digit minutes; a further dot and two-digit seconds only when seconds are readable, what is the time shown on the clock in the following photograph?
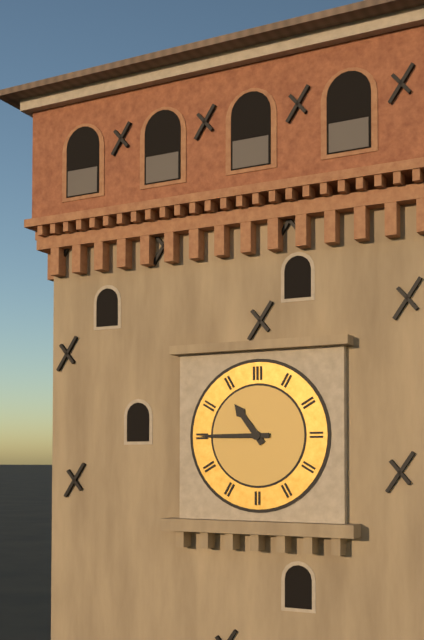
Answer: 10.45
